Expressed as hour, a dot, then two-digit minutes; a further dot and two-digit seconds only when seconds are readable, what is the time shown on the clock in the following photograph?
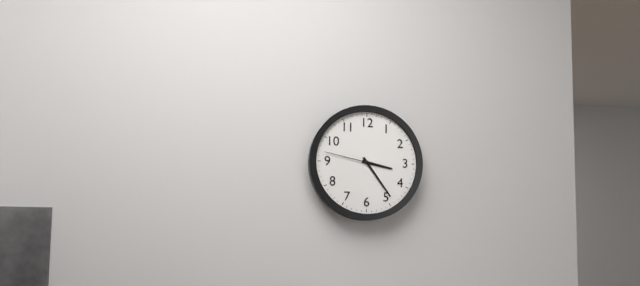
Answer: 3.24.47
